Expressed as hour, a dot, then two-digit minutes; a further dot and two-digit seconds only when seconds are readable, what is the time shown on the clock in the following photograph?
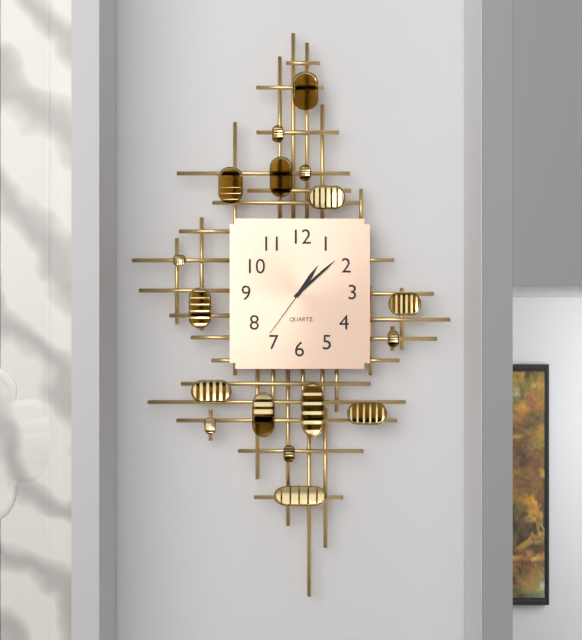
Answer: 1.08.36
